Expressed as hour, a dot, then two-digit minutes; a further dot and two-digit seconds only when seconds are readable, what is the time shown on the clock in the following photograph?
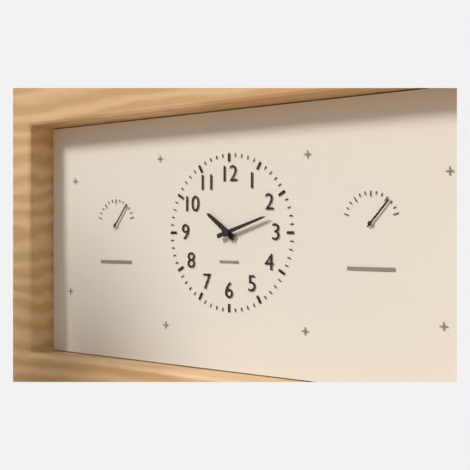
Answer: 10.12
